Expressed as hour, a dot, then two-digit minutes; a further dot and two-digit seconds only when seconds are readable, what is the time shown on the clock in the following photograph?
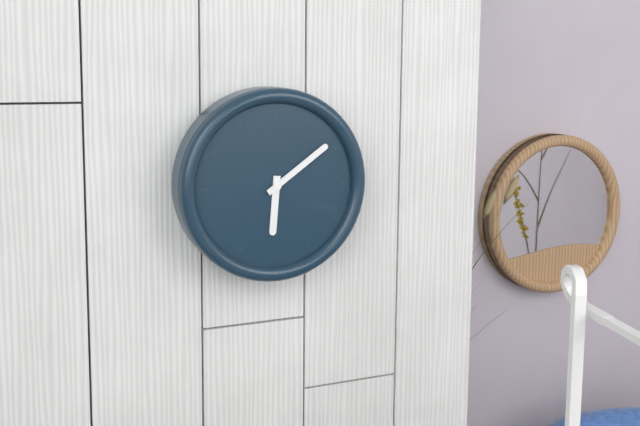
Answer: 6.09
